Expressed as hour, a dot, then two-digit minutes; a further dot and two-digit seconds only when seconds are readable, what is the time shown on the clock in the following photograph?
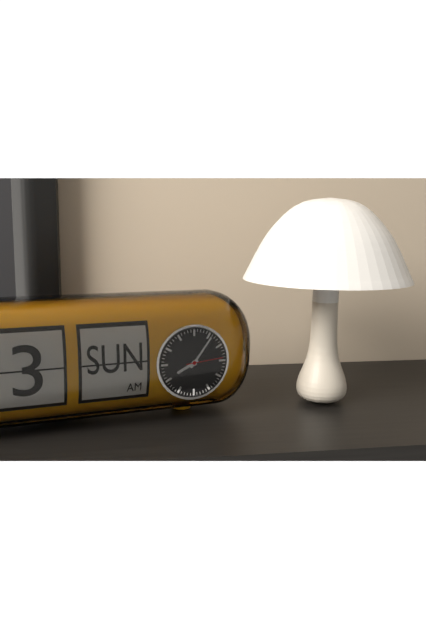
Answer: 8.06.14
